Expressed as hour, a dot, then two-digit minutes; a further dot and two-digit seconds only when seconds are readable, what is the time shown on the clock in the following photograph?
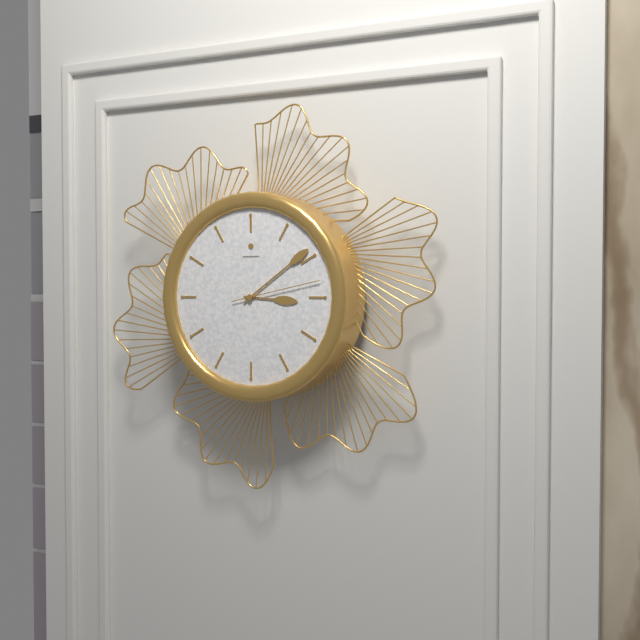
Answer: 3.09.13
